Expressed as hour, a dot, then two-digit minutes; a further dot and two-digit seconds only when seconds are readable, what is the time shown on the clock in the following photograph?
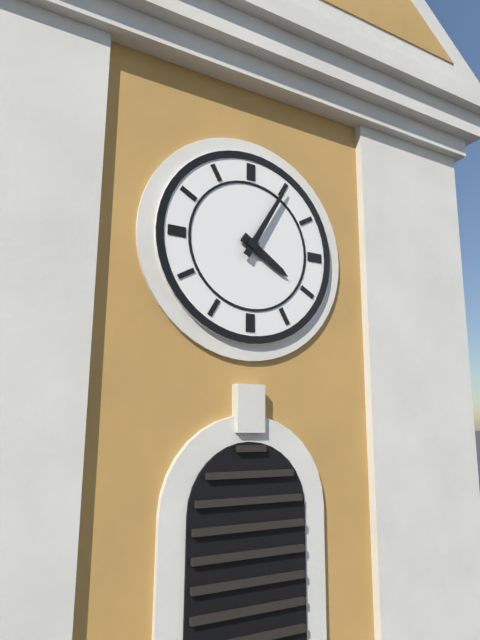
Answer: 4.05
